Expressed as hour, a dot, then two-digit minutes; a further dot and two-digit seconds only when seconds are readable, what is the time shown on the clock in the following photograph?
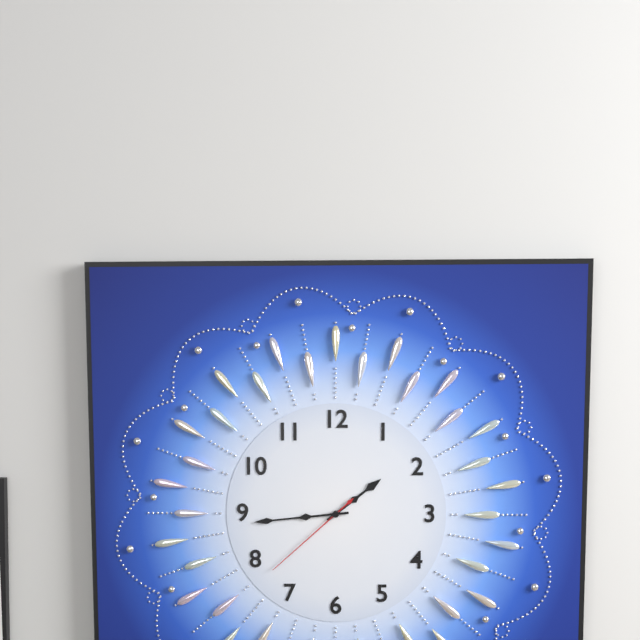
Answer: 1.44.38
